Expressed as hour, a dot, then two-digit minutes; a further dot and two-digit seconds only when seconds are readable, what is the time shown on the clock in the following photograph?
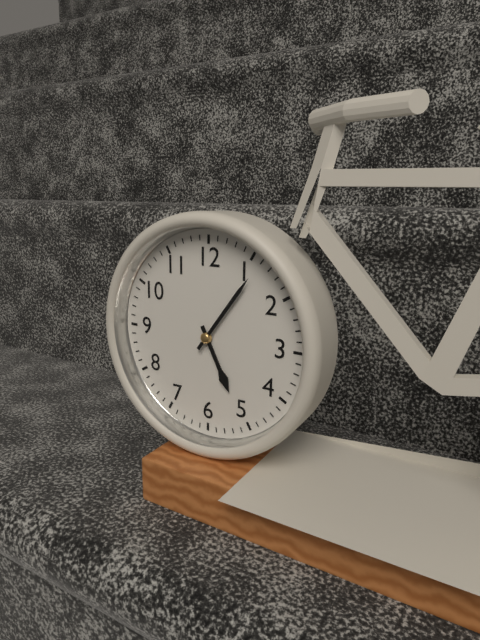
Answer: 5.06
